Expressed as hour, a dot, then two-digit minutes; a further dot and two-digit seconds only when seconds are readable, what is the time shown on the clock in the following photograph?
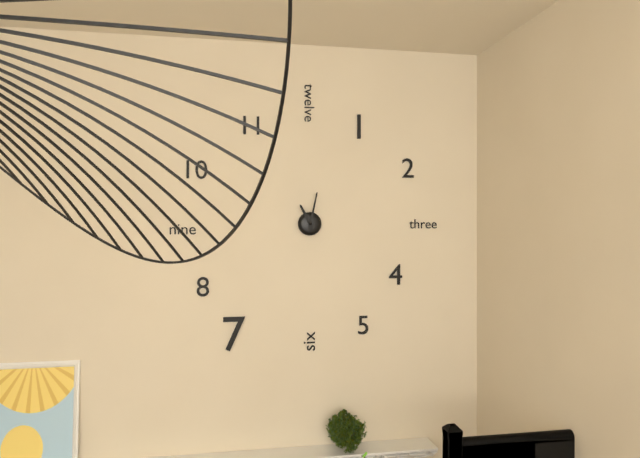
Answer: 11.02
